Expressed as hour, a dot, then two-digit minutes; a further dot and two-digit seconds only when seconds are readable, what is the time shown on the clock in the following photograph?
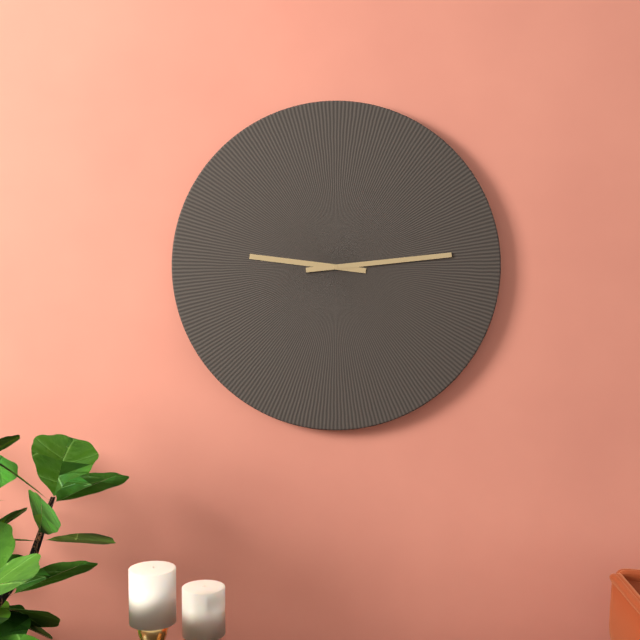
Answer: 9.14
